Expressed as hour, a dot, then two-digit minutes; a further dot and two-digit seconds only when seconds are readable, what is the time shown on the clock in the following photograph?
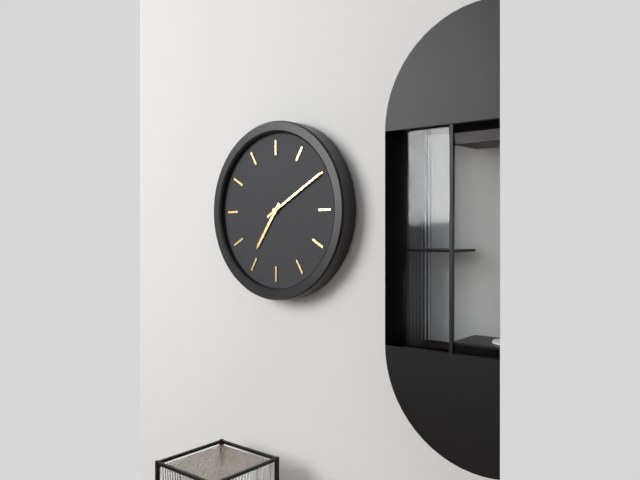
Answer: 7.10
